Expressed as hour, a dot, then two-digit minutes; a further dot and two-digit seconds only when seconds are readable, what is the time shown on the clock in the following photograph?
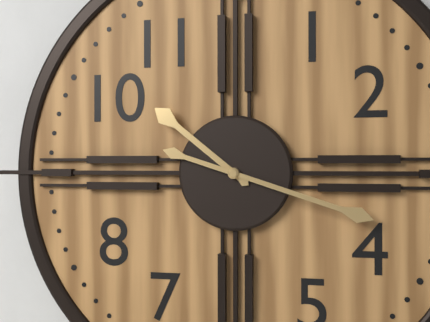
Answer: 10.18
